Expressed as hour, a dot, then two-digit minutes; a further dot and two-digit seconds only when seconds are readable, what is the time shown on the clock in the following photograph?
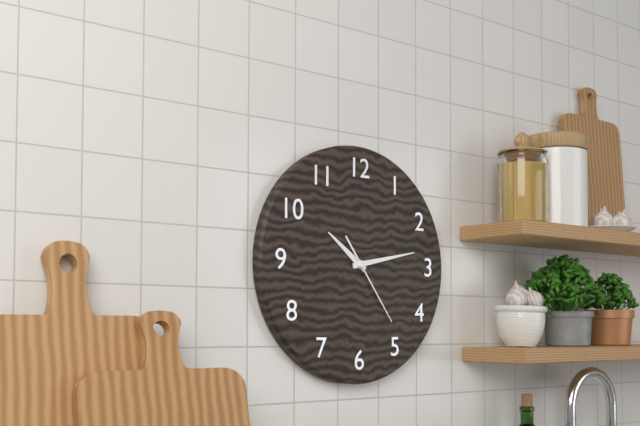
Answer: 10.13.24
